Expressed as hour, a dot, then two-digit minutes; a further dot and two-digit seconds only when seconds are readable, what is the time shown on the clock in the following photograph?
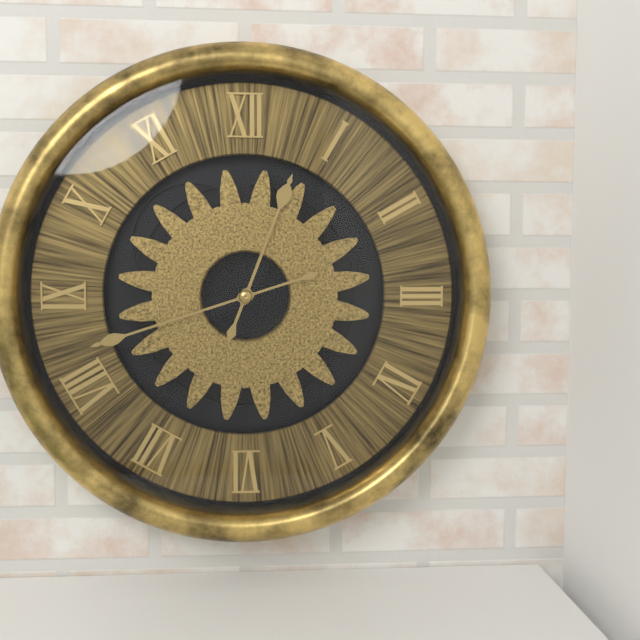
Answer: 12.42
